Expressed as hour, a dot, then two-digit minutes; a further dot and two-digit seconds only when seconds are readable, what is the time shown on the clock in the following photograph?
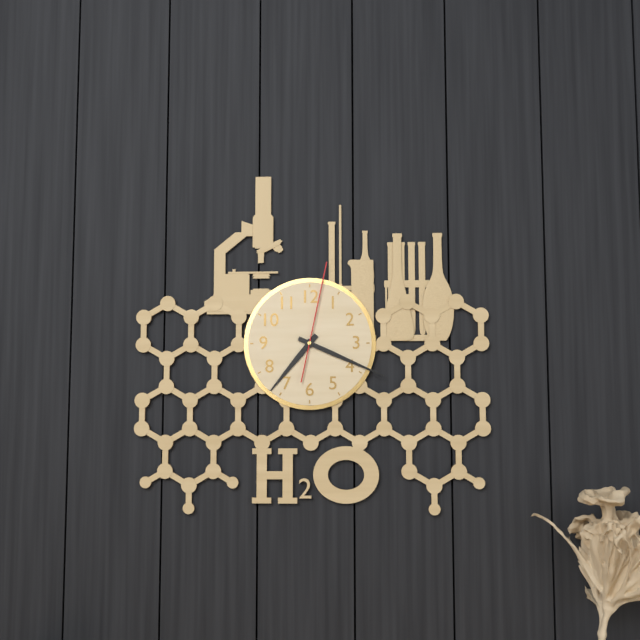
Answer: 7.19.02
